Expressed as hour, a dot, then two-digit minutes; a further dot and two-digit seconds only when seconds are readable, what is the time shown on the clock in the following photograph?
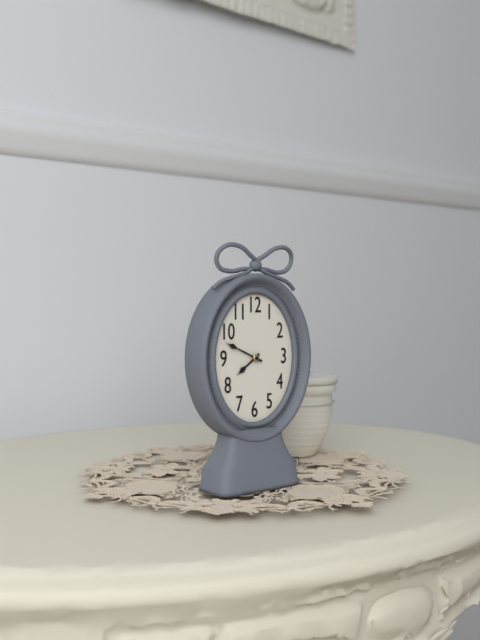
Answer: 7.49
